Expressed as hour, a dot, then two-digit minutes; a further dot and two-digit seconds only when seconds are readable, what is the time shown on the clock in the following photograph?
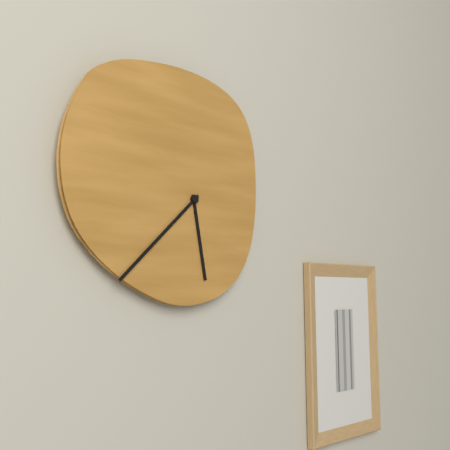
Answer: 5.38
